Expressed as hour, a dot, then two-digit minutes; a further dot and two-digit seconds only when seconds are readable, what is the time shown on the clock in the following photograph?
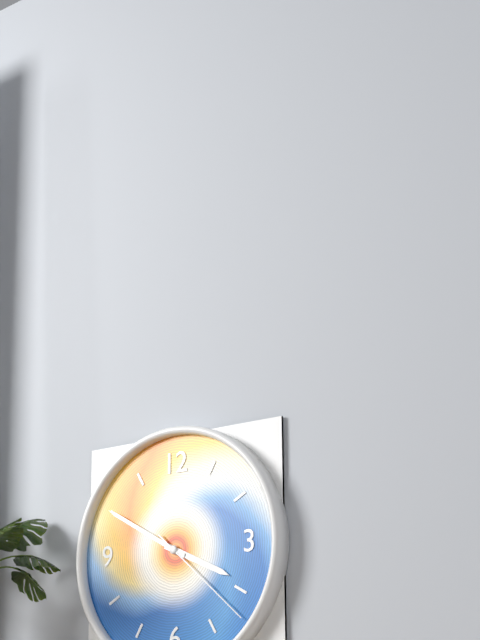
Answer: 3.50.22
